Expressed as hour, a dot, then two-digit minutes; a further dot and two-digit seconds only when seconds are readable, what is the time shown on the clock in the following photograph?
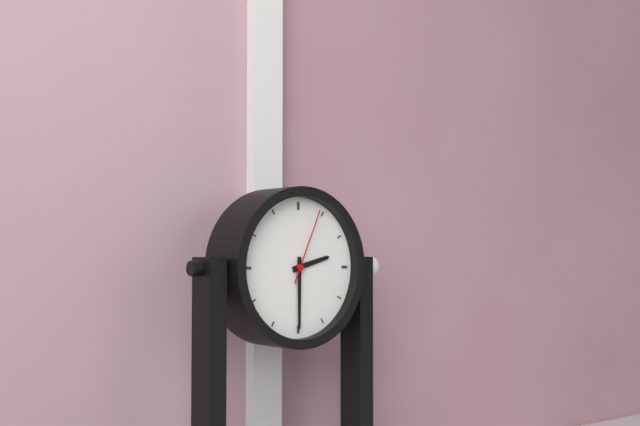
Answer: 2.30.04
